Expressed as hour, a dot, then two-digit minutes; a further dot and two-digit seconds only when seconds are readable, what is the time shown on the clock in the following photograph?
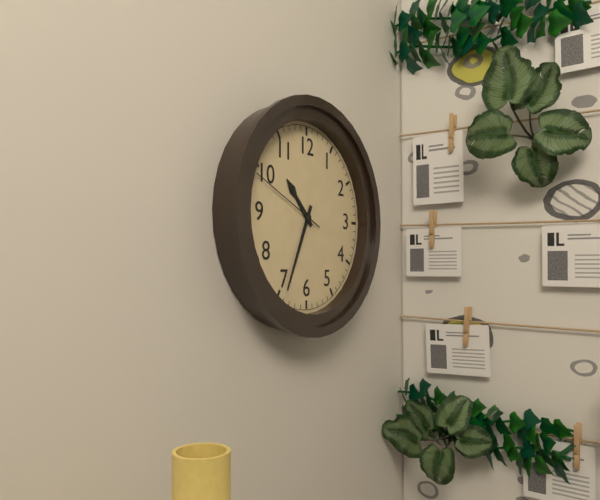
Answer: 10.34.49
